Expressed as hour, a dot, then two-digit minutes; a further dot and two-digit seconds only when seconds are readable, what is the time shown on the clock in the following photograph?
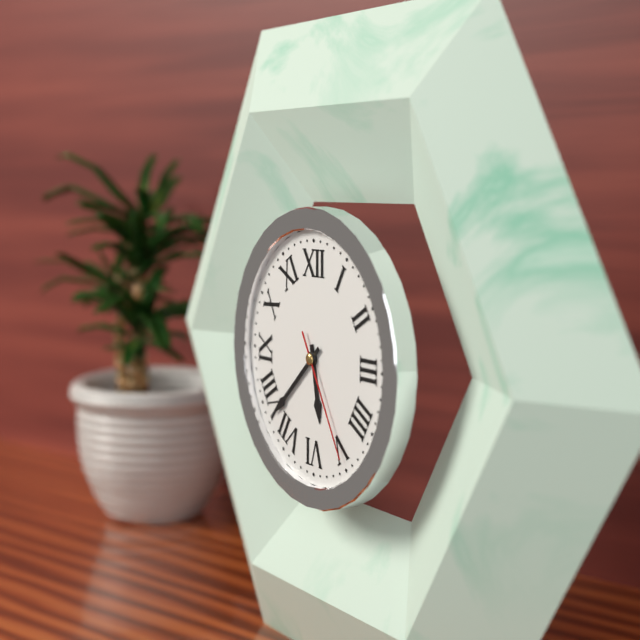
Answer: 5.38.25
